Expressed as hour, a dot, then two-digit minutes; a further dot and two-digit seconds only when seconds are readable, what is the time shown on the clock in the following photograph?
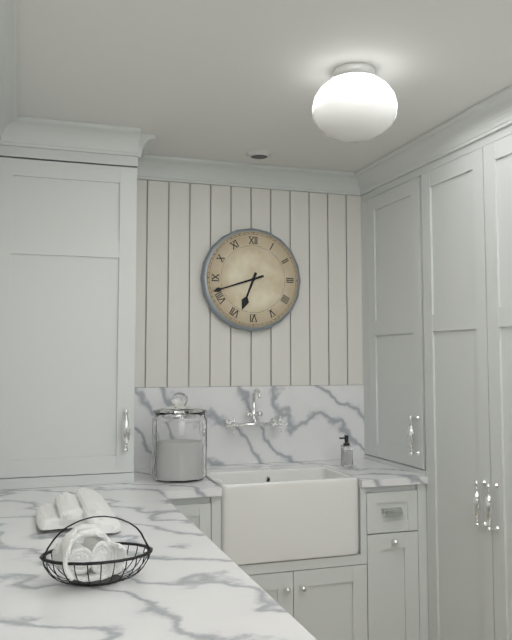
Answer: 6.42
